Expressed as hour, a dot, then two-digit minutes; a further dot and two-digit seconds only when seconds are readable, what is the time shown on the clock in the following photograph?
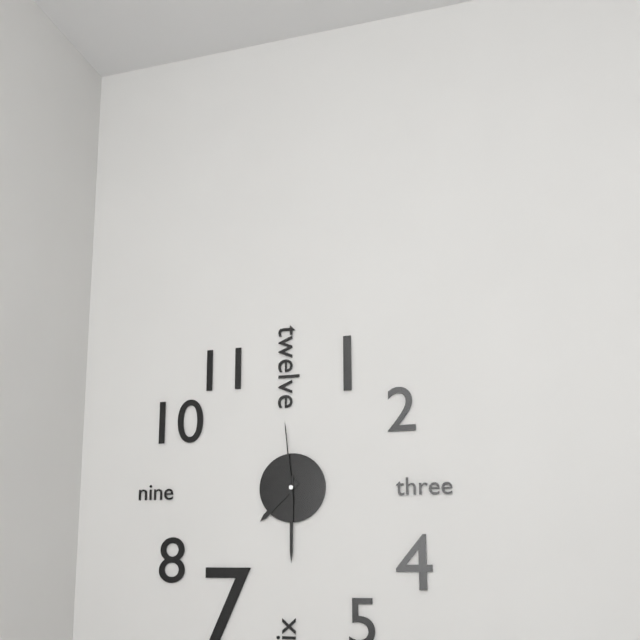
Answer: 7.30.59
